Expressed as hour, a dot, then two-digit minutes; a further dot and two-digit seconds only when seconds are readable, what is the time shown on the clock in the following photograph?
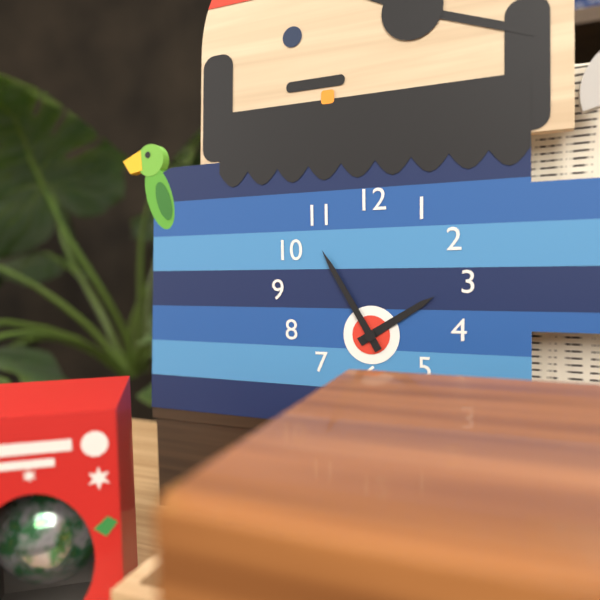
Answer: 1.55
